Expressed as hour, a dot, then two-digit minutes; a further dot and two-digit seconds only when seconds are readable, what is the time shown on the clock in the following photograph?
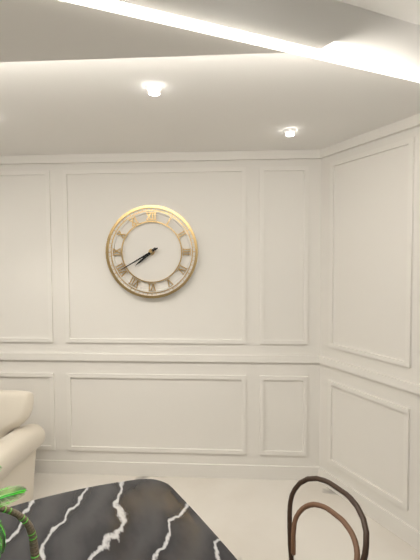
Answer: 7.40
